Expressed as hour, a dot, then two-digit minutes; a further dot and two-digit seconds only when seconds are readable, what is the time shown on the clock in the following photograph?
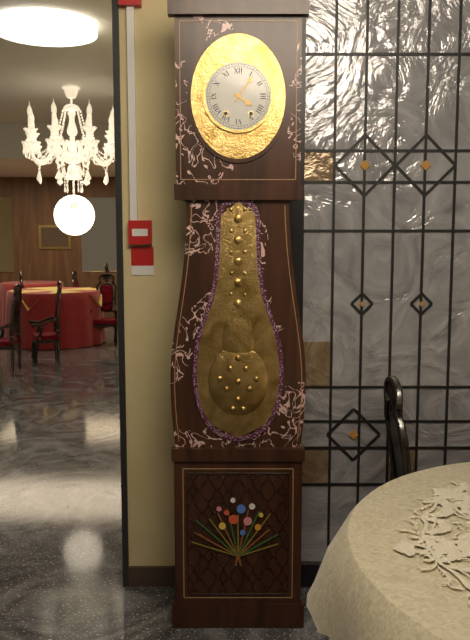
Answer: 4.06
